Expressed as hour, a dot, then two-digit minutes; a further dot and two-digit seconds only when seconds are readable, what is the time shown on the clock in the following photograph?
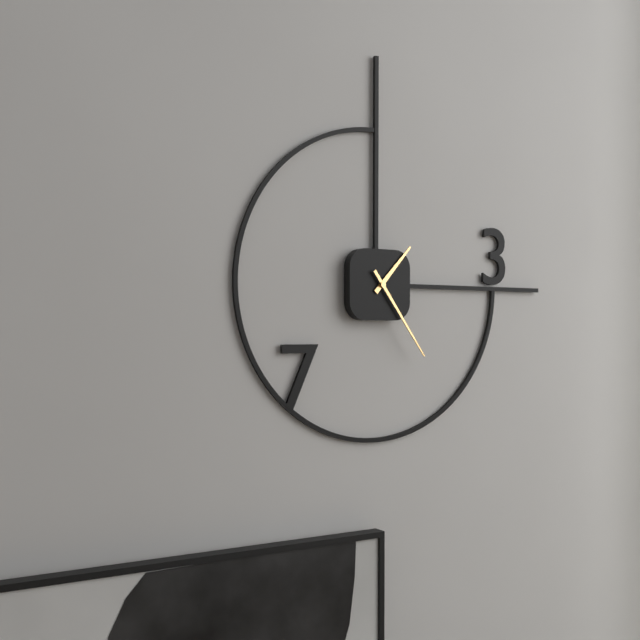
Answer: 1.24
